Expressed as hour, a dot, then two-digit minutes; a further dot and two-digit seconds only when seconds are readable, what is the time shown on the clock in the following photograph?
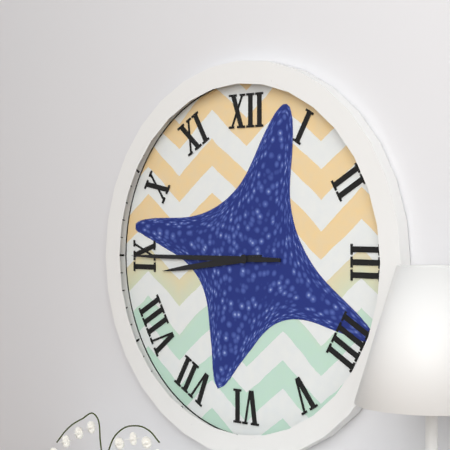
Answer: 8.45
